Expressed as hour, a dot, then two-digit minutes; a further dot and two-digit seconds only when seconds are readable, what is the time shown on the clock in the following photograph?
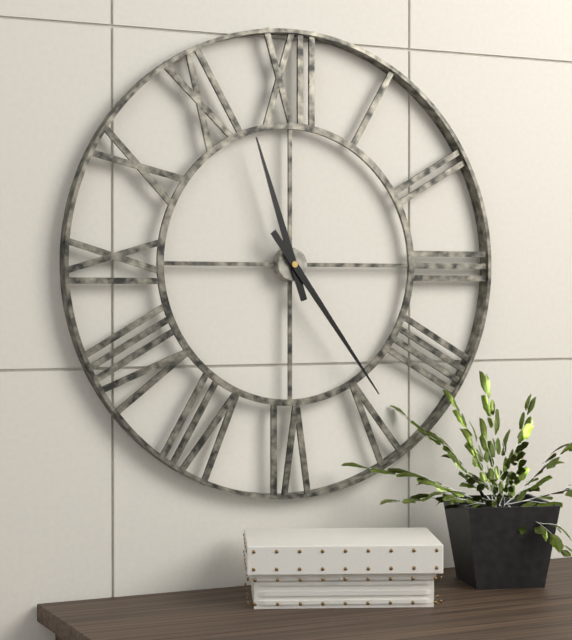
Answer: 11.24
